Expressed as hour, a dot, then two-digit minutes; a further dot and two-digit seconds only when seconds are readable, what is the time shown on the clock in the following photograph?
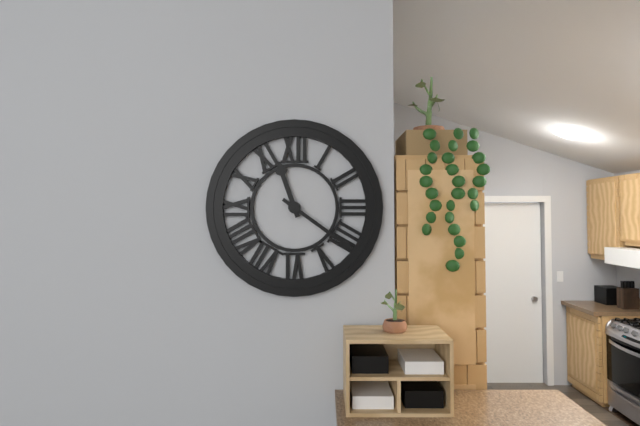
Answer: 11.21
